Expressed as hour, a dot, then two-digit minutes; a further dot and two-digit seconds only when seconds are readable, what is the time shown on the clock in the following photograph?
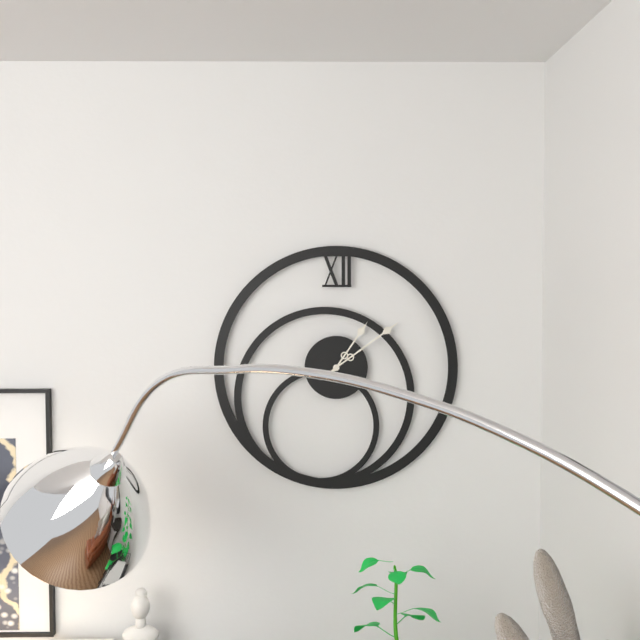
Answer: 1.09
